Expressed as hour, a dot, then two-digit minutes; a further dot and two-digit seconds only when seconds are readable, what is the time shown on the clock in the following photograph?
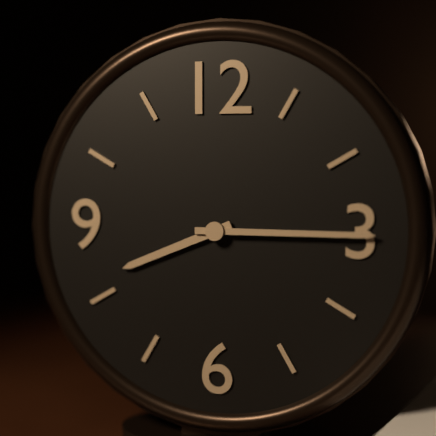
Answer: 8.15
